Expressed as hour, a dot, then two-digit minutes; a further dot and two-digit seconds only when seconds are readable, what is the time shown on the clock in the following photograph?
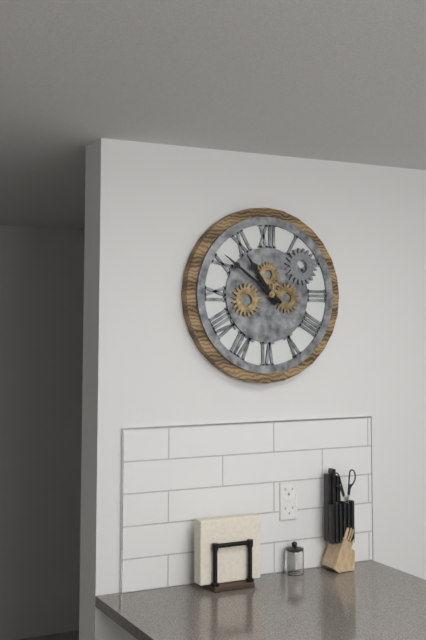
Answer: 10.51
